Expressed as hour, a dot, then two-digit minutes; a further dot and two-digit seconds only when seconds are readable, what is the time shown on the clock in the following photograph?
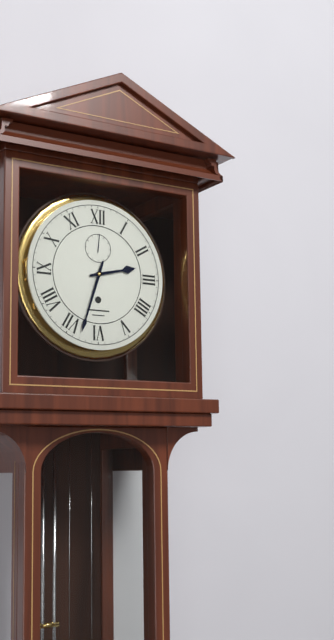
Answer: 2.33
